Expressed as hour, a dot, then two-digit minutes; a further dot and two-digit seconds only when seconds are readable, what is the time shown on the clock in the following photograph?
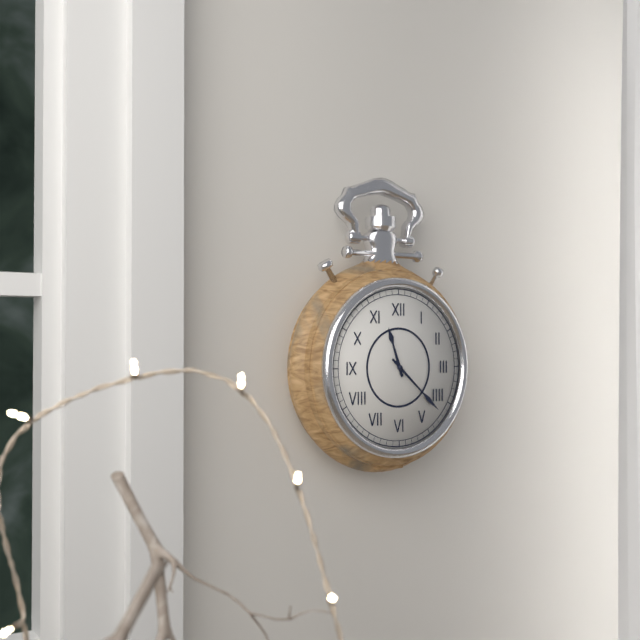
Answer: 11.22
